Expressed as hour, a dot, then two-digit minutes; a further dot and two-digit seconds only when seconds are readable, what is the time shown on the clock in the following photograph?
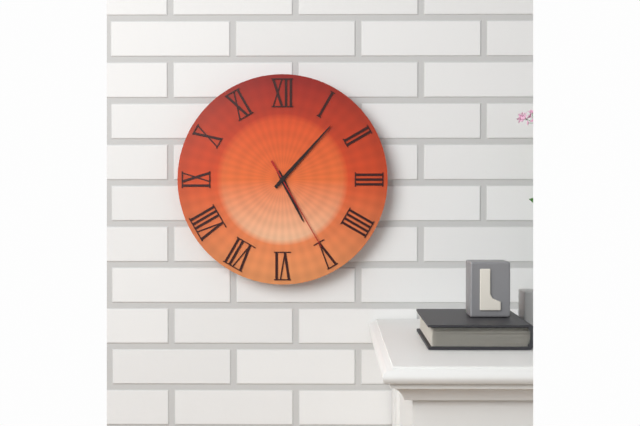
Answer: 5.07.25
